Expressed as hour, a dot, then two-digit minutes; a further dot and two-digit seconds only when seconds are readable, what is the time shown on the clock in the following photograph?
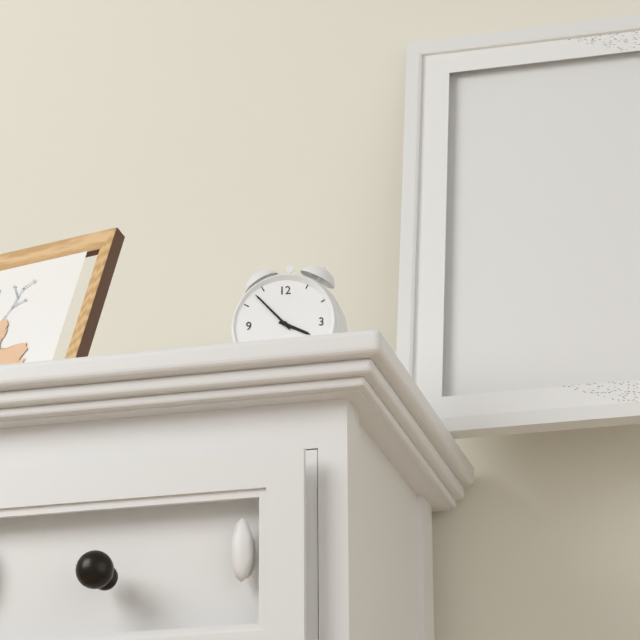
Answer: 3.53
